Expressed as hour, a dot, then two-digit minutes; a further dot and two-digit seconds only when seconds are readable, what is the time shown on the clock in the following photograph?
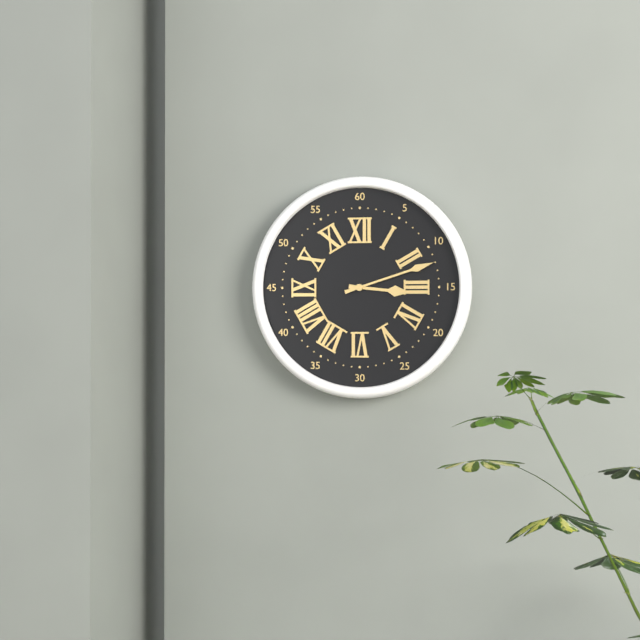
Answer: 3.12
